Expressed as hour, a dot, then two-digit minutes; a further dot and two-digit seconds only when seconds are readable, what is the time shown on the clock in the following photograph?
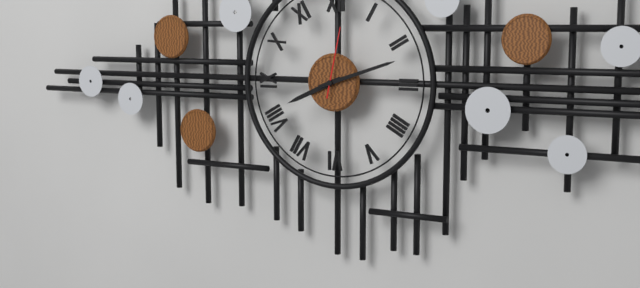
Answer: 8.12.02
